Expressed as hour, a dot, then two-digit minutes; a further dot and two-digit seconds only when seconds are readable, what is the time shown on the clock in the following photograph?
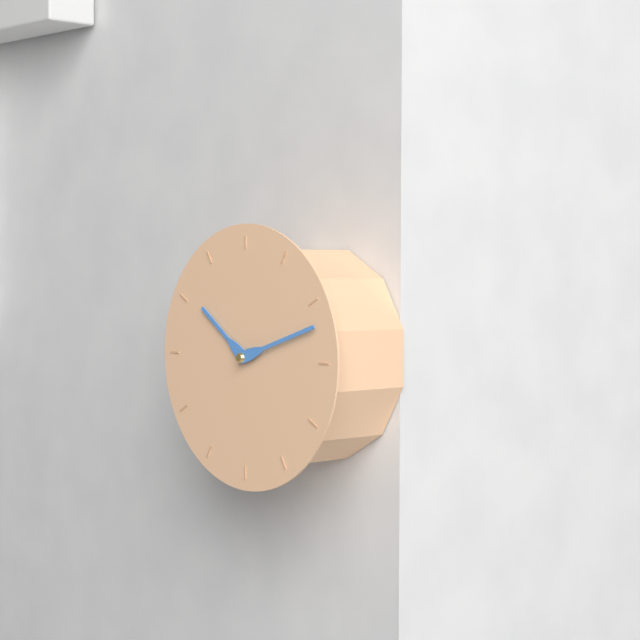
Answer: 10.12
